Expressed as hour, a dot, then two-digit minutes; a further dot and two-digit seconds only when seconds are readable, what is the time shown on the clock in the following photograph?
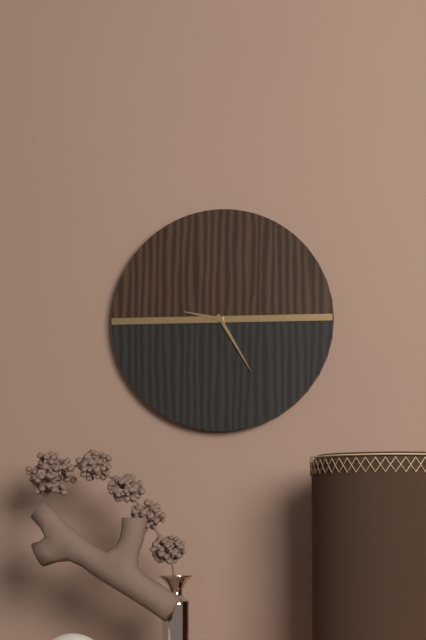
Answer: 9.25
